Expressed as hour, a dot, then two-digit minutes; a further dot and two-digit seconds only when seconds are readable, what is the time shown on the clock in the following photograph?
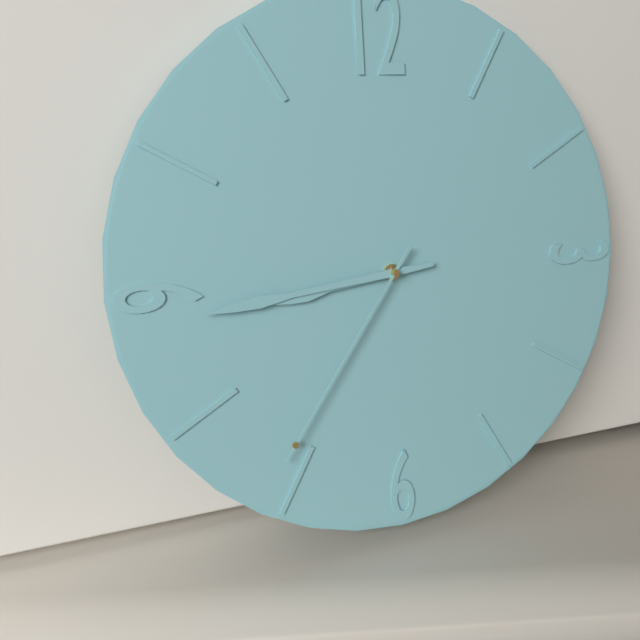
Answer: 8.44.36
